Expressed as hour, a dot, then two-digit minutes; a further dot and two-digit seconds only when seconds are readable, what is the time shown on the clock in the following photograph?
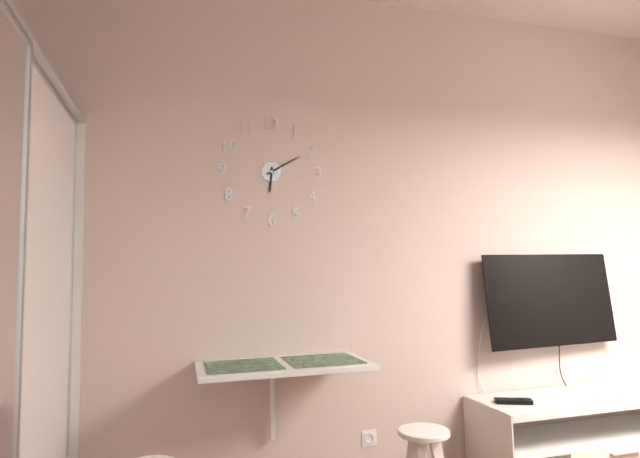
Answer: 6.10
